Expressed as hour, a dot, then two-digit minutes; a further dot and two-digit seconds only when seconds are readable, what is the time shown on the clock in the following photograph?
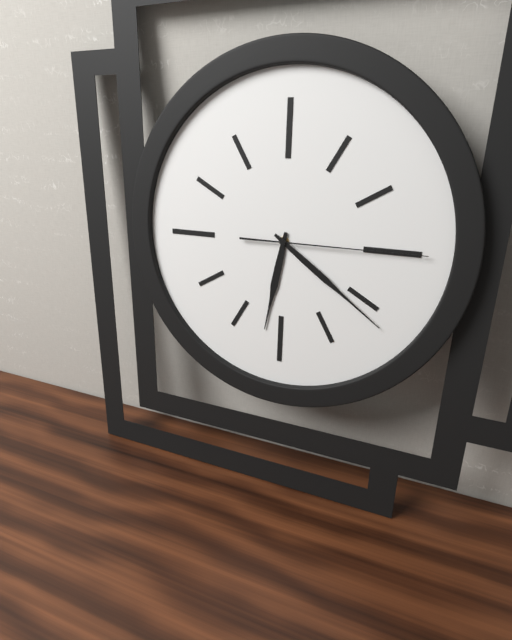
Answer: 6.21.15
